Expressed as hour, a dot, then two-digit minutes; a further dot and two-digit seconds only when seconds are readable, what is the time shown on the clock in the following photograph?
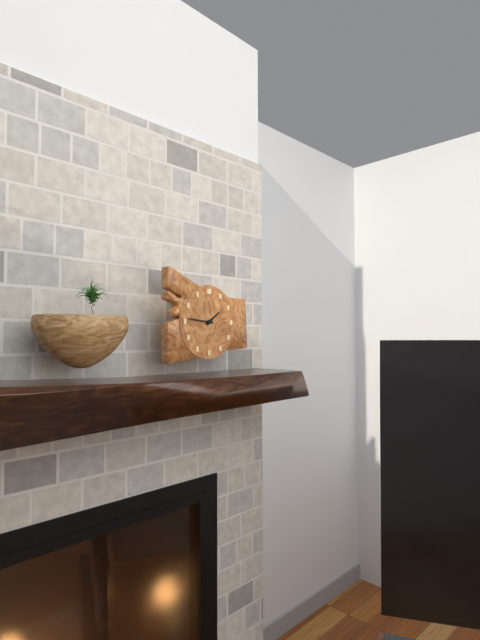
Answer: 1.46
